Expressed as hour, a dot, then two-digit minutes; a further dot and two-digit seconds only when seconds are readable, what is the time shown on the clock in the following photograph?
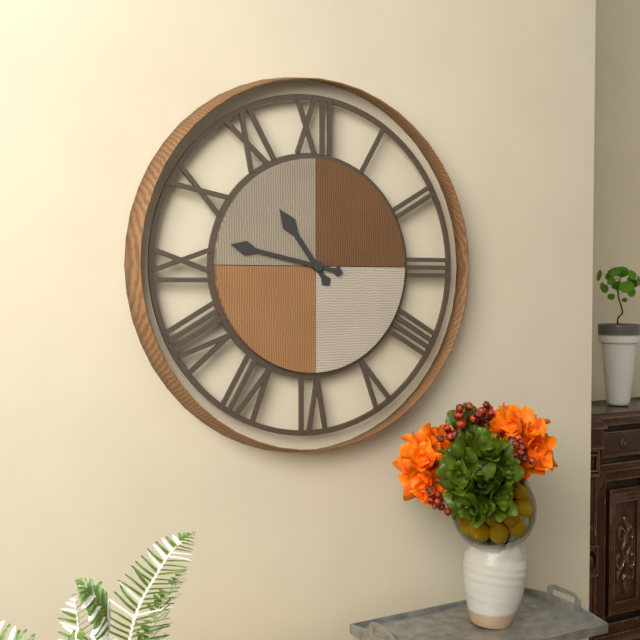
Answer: 10.47
